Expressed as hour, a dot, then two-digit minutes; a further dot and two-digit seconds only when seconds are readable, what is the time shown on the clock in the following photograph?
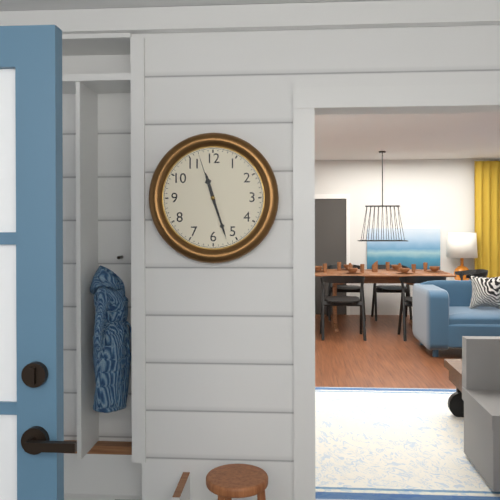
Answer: 11.27.57
